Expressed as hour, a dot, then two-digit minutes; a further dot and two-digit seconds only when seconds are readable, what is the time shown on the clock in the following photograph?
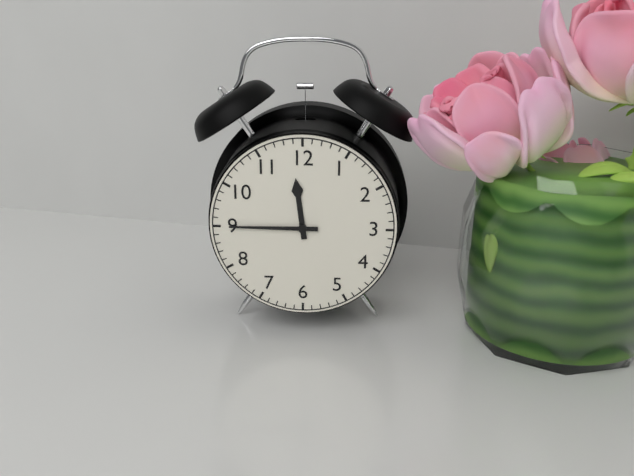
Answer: 11.45
